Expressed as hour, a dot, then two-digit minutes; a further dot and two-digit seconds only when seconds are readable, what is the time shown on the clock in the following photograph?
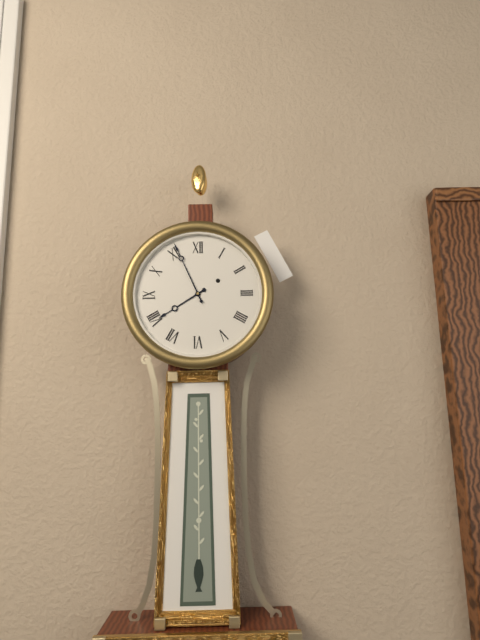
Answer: 7.56
